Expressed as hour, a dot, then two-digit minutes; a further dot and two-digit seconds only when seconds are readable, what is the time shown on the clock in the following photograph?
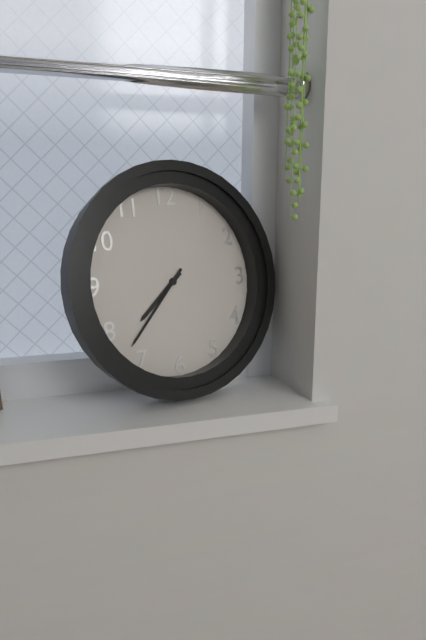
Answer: 7.37
